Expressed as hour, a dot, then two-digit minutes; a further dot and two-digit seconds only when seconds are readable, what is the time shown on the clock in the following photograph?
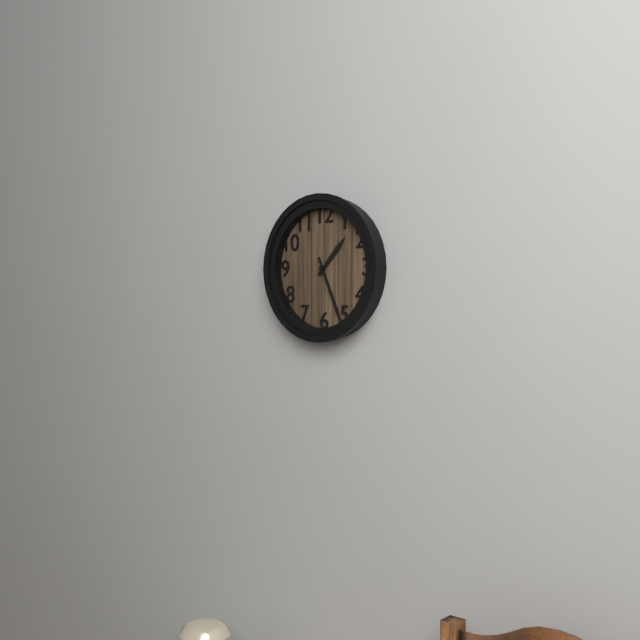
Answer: 1.26
